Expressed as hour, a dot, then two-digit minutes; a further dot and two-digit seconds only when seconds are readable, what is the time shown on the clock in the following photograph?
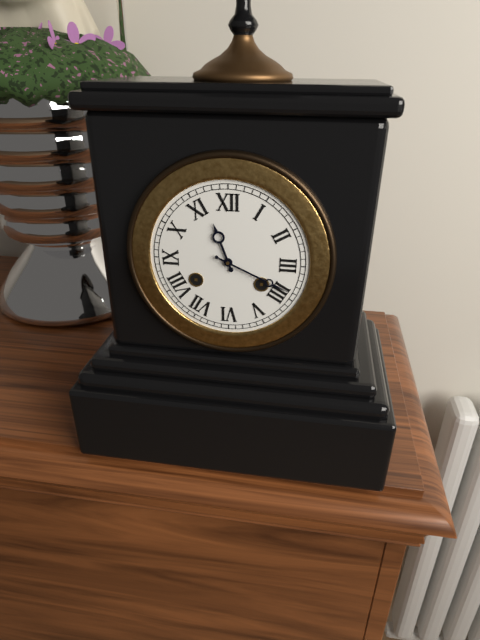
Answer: 11.19
